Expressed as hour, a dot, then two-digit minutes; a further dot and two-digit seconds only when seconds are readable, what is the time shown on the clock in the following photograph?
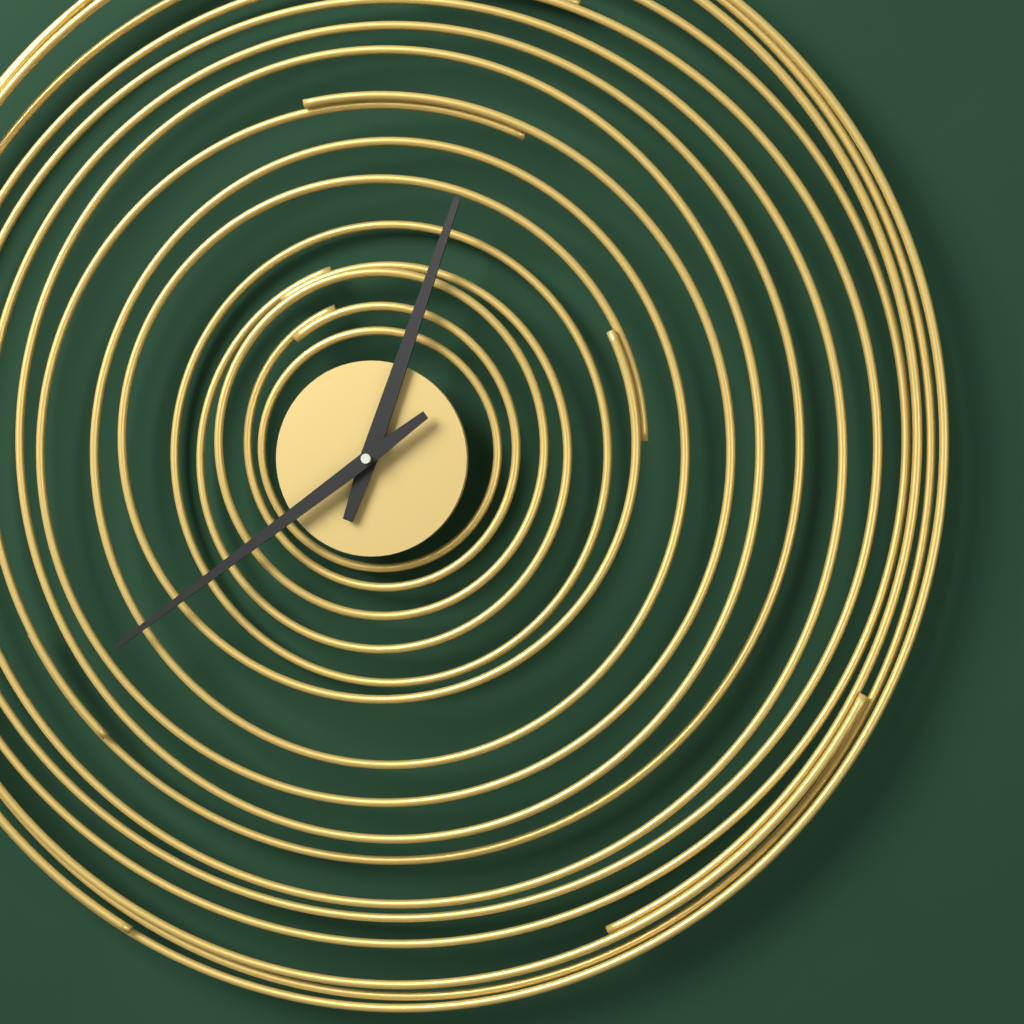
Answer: 12.39
